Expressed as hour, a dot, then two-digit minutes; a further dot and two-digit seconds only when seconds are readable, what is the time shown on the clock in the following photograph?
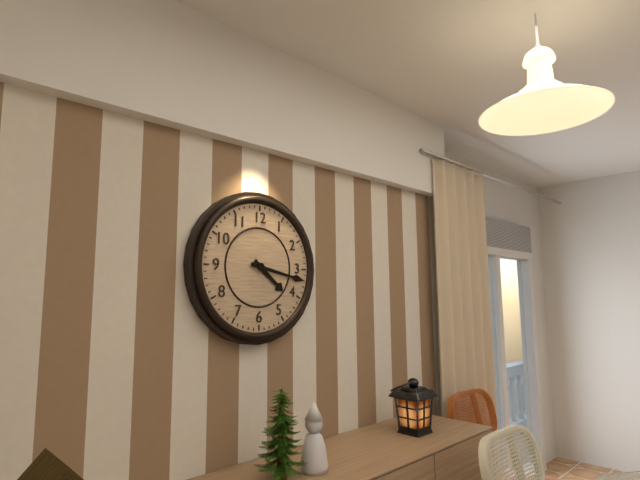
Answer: 4.17
